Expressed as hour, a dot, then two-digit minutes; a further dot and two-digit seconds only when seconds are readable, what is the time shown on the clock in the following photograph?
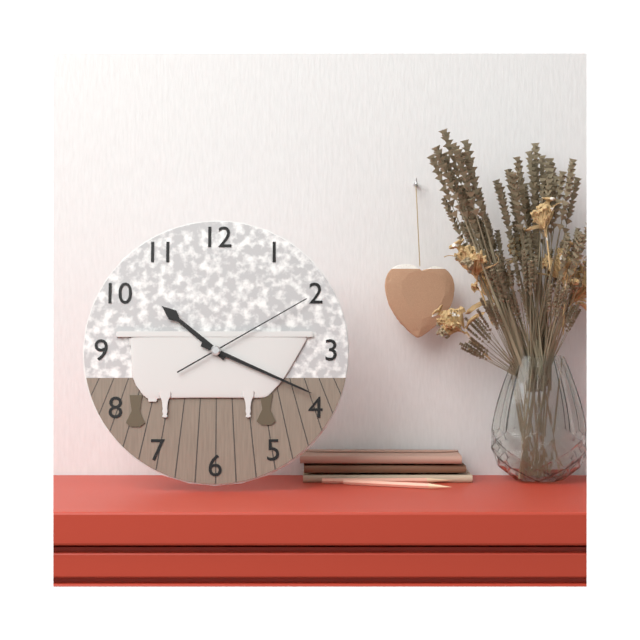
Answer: 10.19.10
